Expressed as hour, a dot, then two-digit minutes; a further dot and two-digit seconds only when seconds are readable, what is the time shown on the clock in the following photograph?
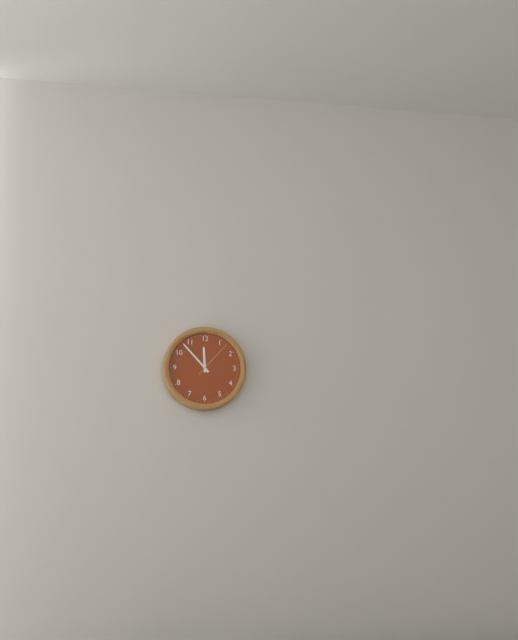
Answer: 11.53
